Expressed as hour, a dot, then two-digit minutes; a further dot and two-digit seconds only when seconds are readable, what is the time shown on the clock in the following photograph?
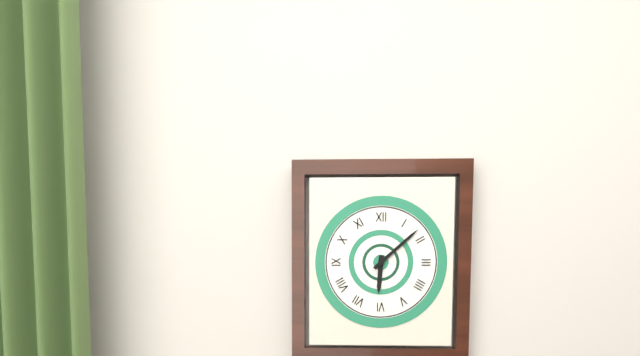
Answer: 6.08
